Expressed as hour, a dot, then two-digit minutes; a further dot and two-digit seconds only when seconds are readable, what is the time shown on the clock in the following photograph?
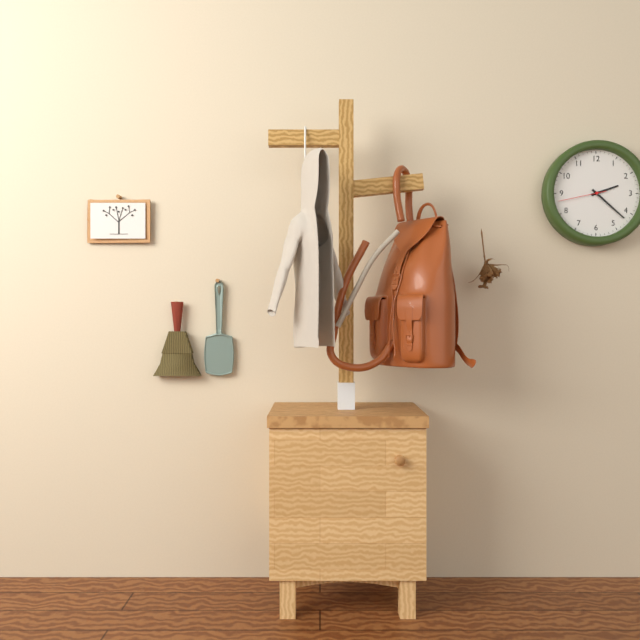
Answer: 2.22
